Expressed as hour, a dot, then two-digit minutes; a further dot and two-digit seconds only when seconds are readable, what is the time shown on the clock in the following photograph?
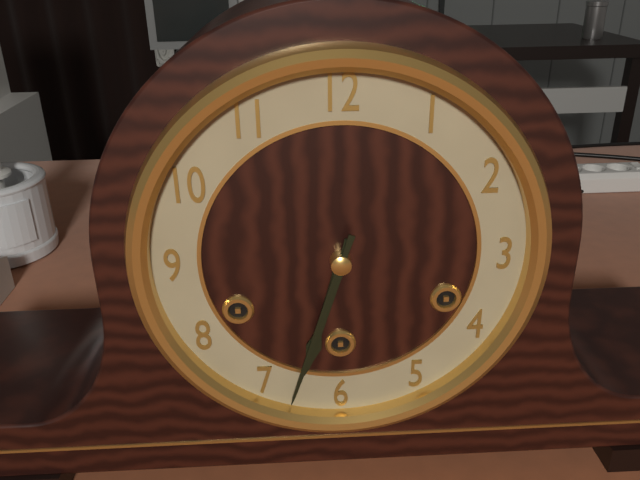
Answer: 6.33
